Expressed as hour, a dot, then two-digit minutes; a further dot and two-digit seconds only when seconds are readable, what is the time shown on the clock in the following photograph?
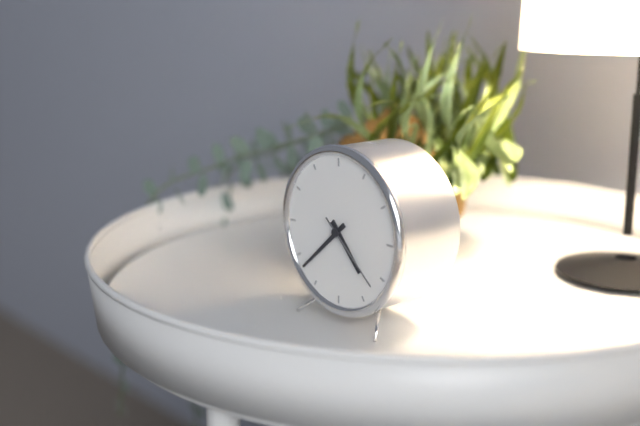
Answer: 4.38.22
